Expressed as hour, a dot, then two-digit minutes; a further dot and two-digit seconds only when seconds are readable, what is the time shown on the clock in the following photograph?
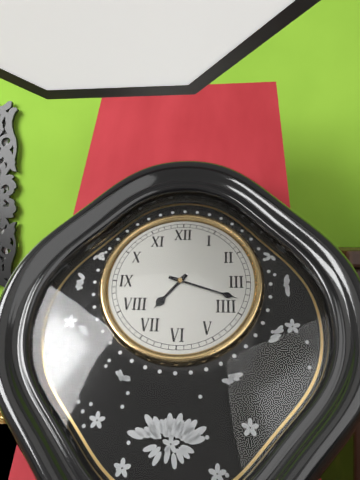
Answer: 7.18
